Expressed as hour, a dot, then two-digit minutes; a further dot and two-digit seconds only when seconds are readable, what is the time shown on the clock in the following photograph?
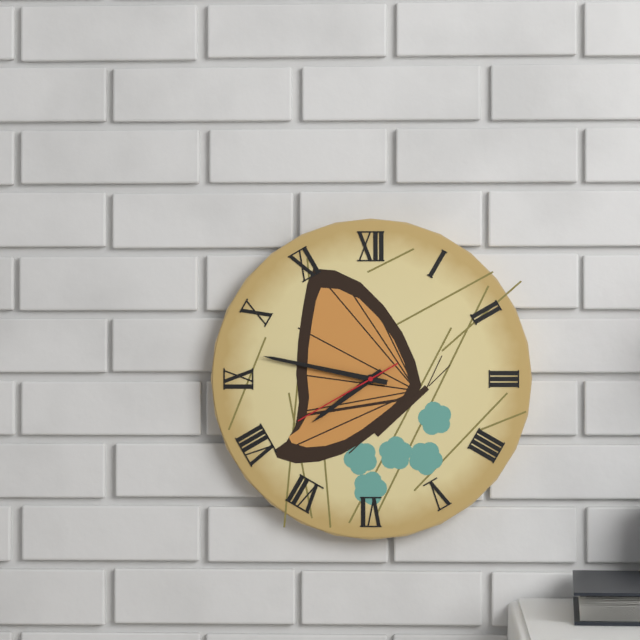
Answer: 7.47.40
